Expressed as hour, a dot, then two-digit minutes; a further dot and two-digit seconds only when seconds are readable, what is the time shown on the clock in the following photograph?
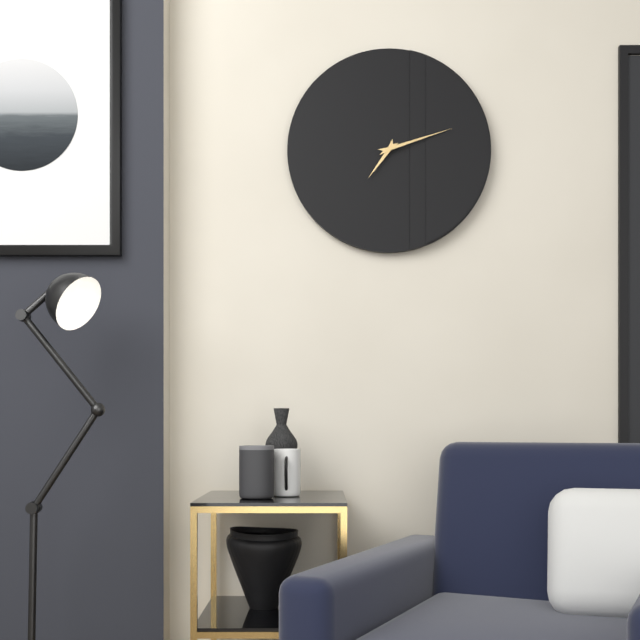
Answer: 7.12
